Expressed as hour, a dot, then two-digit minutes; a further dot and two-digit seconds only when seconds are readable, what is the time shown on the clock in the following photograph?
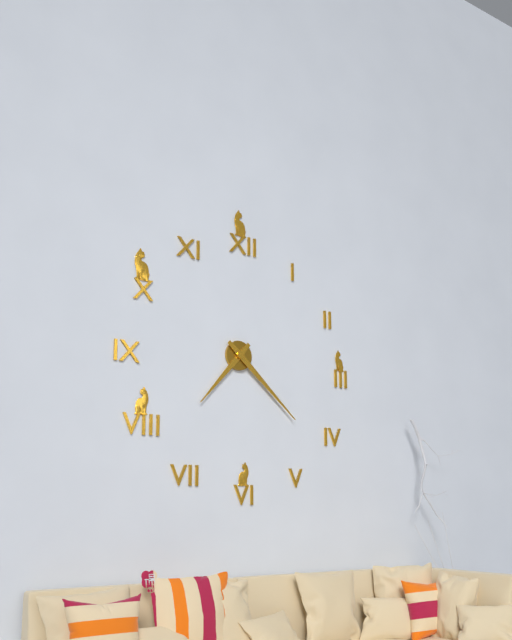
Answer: 7.22
